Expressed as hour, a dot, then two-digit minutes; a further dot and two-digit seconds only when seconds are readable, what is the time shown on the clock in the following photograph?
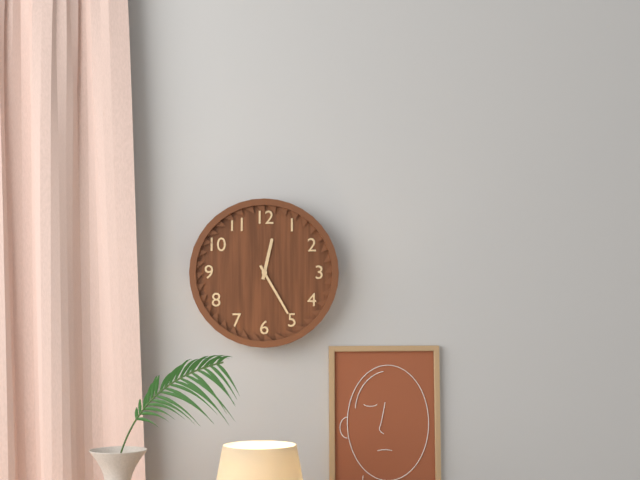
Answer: 12.25
